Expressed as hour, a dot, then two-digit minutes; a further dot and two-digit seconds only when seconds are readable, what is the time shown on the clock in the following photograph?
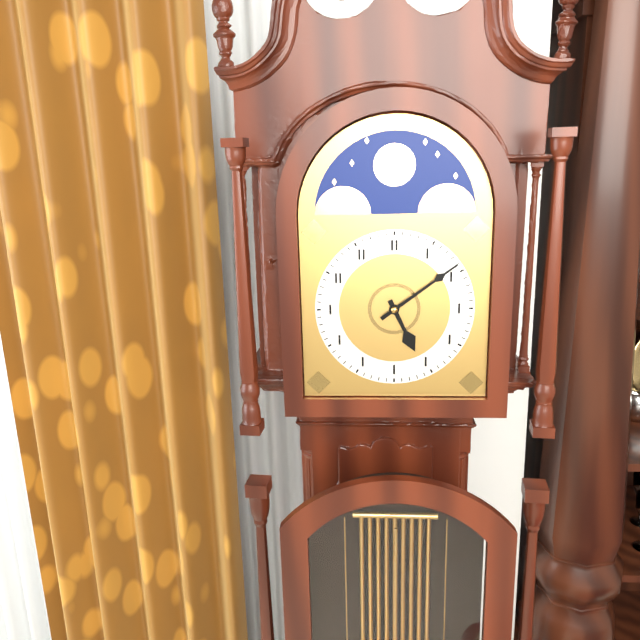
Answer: 5.09
